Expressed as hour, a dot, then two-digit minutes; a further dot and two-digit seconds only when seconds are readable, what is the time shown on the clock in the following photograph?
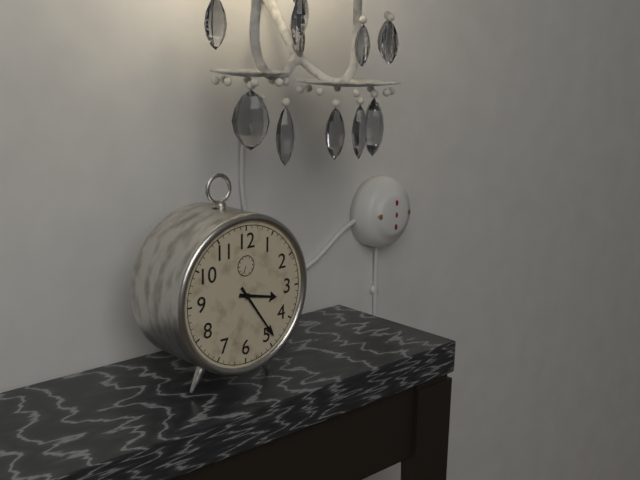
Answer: 3.24
